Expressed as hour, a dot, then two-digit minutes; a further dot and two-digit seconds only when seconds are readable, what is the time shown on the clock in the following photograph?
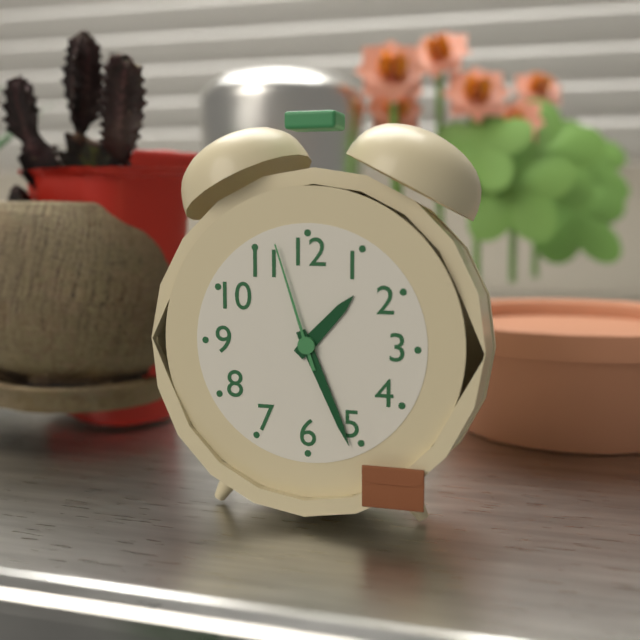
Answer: 1.26.57
